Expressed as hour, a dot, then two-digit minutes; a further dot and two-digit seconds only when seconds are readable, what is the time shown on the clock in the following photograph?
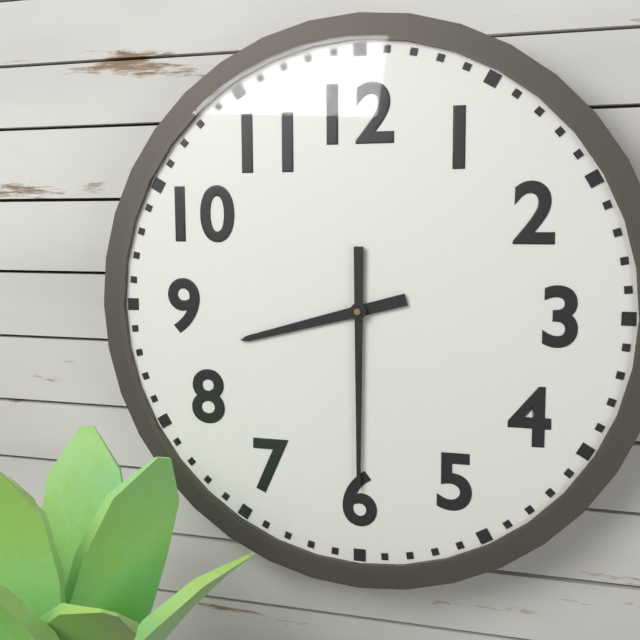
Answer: 8.30
